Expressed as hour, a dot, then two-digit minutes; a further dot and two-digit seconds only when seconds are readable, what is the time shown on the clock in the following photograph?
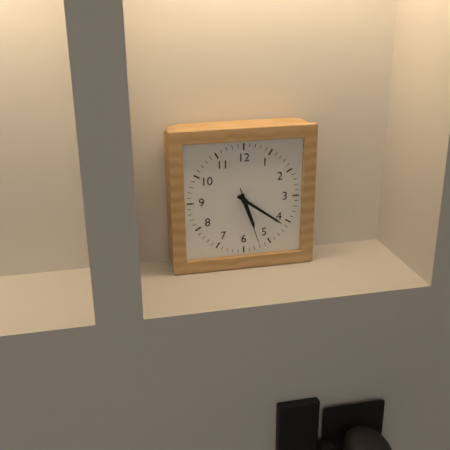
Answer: 5.21.27
